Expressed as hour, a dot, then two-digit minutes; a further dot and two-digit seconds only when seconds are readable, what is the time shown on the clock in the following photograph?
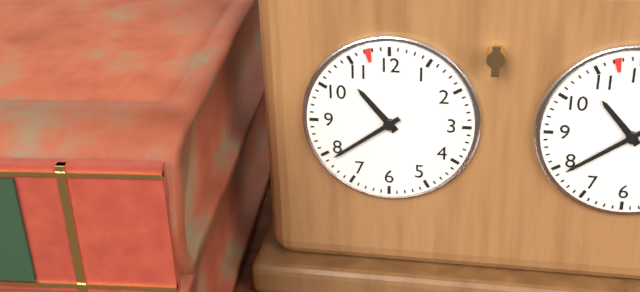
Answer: 10.39
